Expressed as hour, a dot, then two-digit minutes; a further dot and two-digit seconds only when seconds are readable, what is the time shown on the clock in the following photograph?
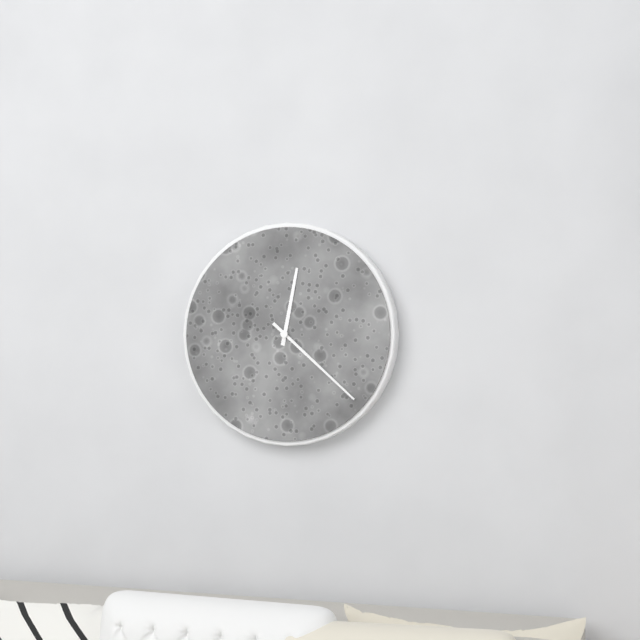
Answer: 12.22
